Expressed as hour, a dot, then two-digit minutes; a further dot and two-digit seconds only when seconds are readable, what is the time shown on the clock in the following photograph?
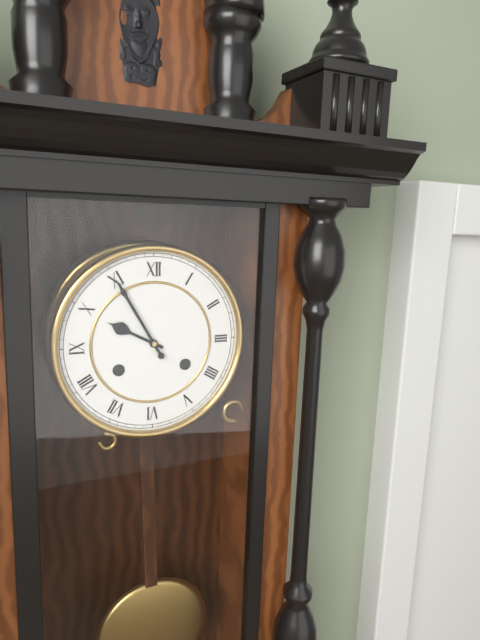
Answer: 9.55
